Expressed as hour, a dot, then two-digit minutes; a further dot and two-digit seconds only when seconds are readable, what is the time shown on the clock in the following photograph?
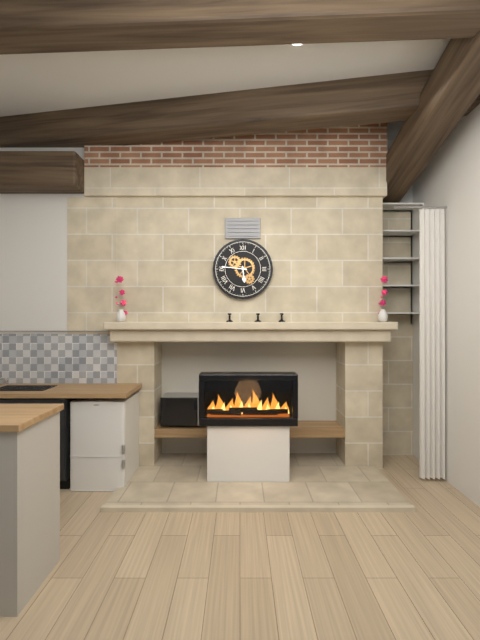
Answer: 5.46
